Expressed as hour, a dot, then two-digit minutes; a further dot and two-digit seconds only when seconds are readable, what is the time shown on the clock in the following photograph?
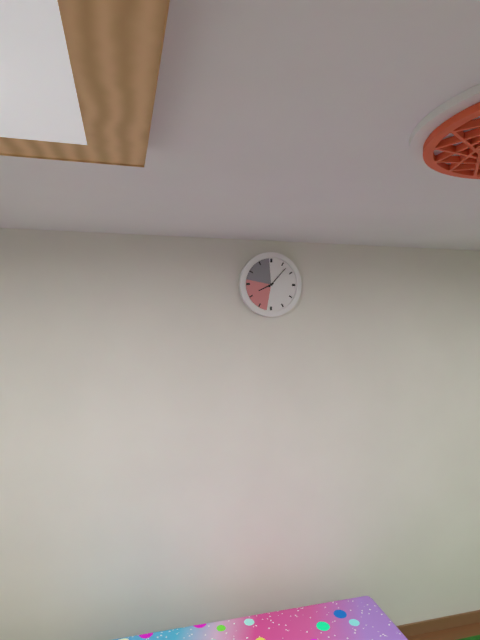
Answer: 8.07
